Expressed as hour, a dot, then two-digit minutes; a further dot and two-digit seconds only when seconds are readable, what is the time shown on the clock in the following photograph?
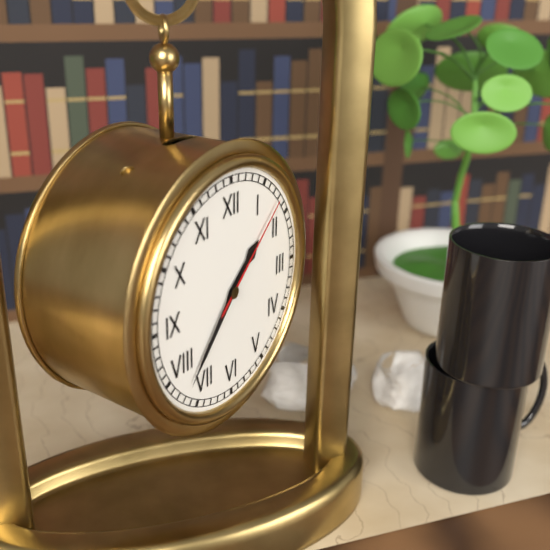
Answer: 1.37.08
